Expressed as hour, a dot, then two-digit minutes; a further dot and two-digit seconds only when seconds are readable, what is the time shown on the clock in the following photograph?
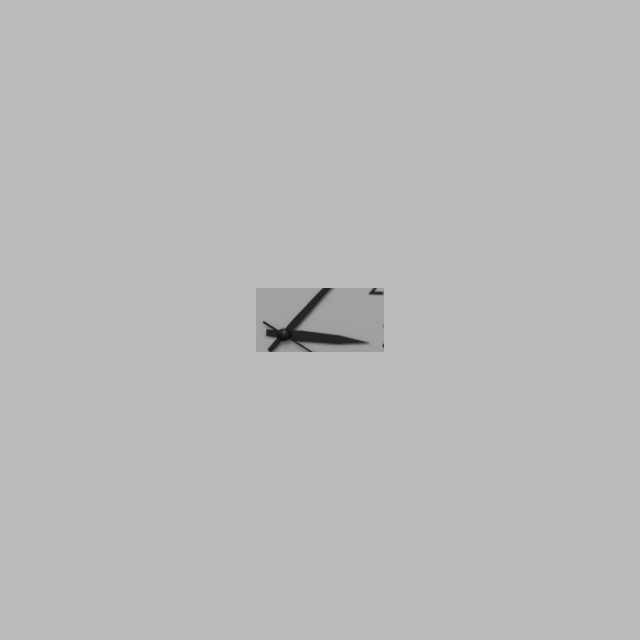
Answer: 3.07.20
